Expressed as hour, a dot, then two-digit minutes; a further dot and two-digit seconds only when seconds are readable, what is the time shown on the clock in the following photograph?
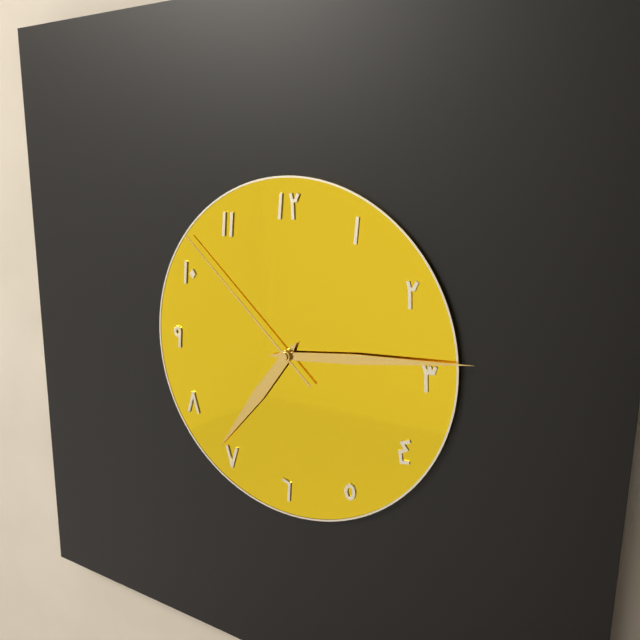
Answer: 7.14.52
